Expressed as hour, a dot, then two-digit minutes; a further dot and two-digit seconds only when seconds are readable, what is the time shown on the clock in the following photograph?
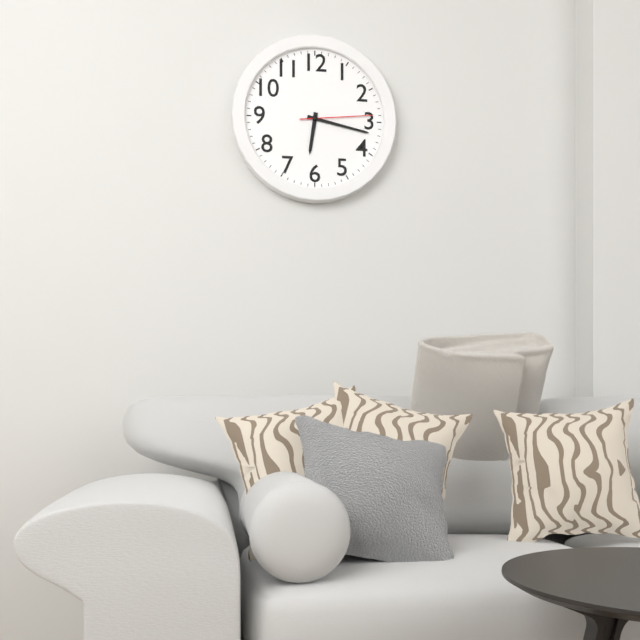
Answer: 6.17.14
